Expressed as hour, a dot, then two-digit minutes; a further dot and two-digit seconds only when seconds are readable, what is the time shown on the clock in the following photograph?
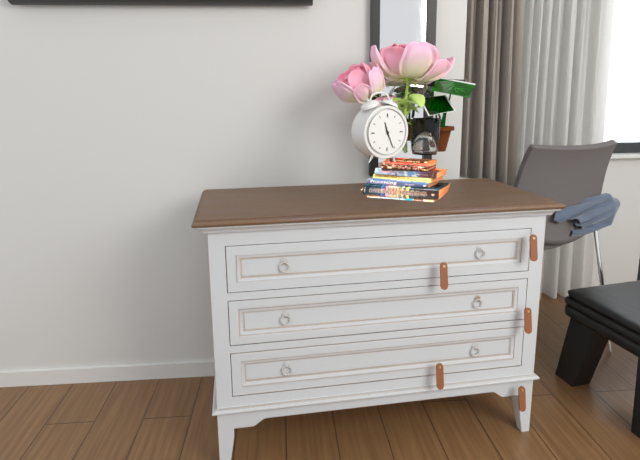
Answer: 11.26
